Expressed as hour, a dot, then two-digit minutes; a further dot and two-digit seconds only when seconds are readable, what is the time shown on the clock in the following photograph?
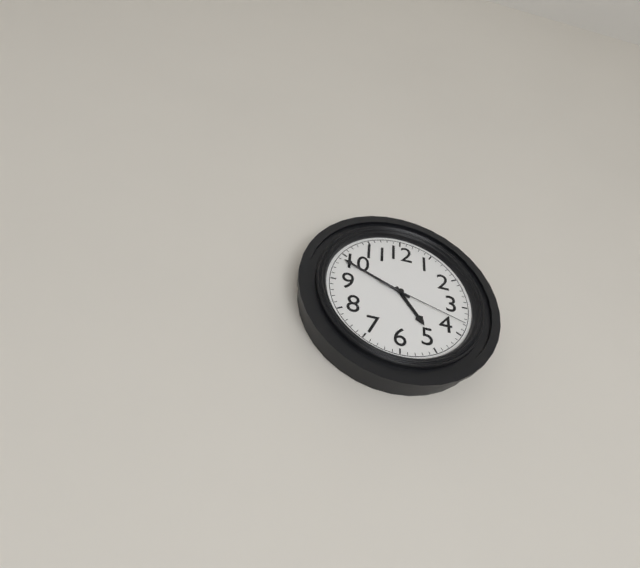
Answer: 4.49.18
